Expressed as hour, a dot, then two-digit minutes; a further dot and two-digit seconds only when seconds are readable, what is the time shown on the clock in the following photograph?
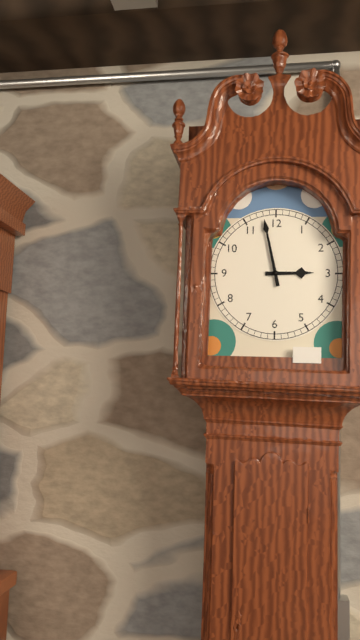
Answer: 2.58
